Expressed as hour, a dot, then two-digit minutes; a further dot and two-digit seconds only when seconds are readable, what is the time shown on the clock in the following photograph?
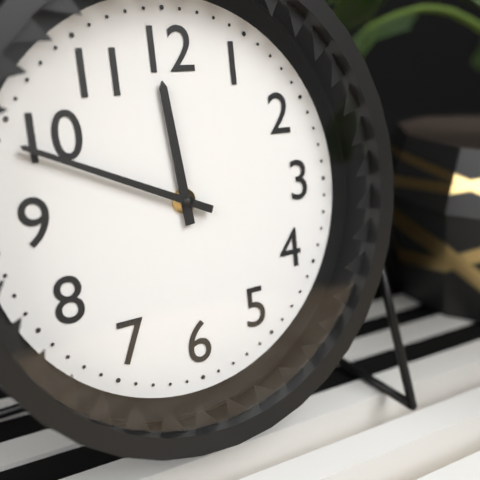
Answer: 11.49
